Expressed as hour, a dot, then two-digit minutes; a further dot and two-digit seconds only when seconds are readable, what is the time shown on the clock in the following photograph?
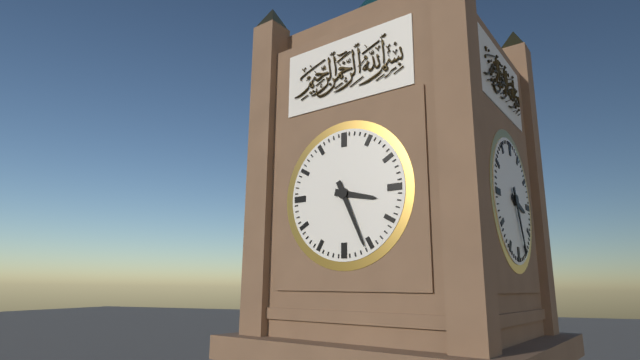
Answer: 3.26
